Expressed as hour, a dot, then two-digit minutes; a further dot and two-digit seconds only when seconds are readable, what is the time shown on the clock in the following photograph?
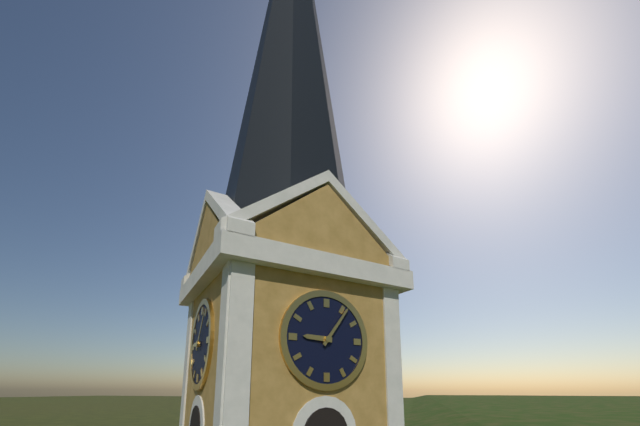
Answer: 9.06
